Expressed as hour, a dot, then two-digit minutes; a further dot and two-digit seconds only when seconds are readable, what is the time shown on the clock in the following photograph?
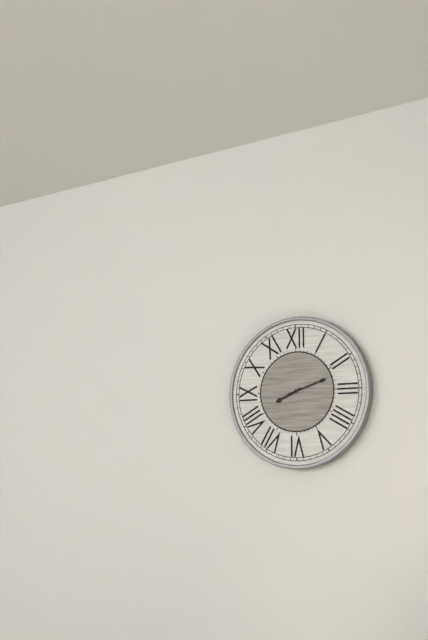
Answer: 8.12
